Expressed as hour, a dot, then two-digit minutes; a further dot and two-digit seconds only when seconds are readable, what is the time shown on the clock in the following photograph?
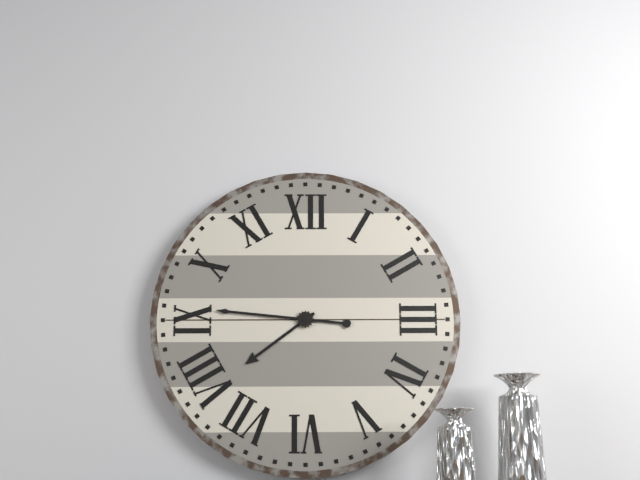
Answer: 7.46
